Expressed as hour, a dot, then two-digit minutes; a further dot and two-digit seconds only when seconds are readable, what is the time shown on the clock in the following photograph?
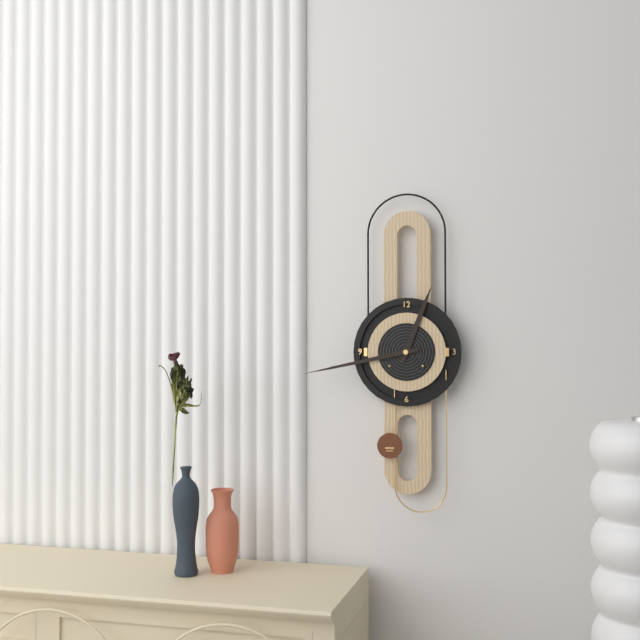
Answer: 12.43
